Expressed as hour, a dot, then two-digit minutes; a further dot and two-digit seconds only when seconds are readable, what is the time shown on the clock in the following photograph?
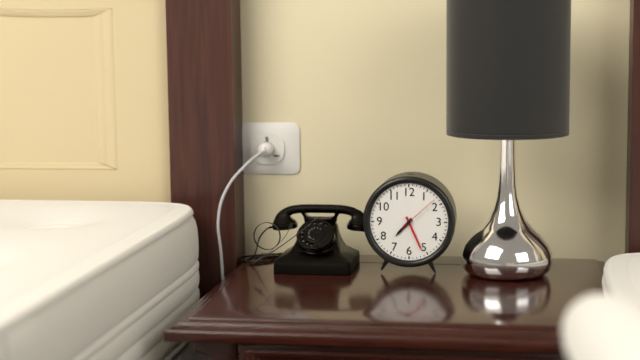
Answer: 7.26
